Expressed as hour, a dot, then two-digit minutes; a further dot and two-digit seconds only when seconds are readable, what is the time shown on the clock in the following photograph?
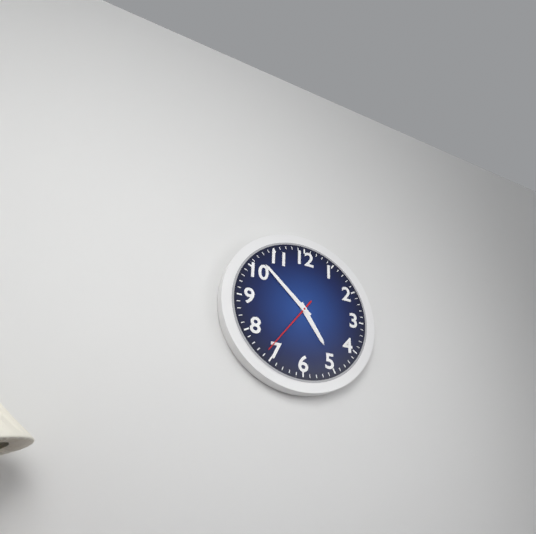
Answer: 4.52.36
